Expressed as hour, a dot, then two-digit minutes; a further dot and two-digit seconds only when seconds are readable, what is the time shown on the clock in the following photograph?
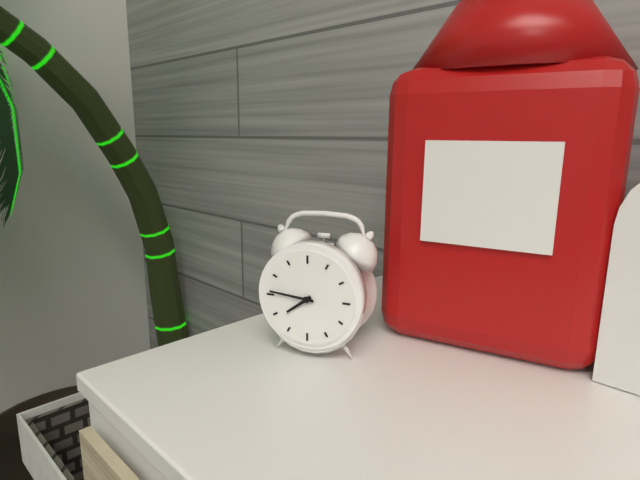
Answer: 7.46
